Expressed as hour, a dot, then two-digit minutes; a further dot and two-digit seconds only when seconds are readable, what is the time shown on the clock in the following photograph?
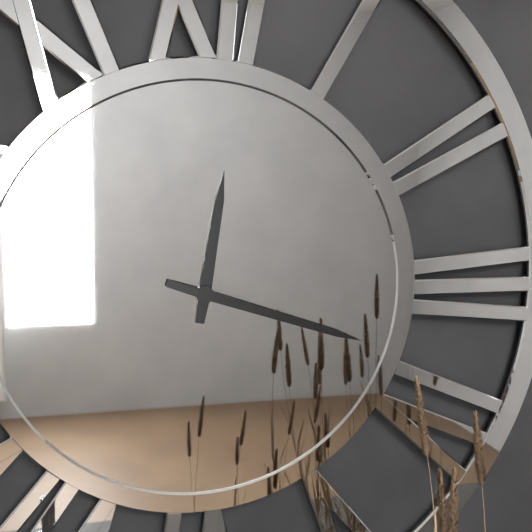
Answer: 12.18
